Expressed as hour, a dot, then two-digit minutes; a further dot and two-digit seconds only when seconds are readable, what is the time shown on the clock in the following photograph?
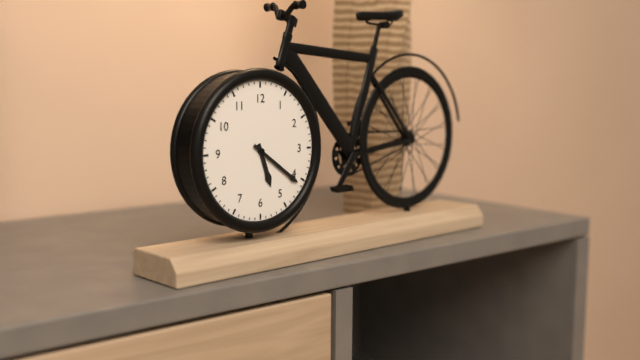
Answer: 5.21
